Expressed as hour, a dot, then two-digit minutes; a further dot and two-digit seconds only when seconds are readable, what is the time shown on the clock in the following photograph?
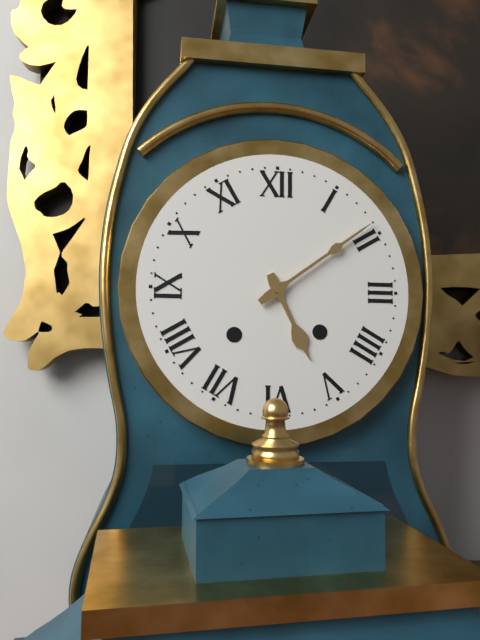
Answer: 5.09
